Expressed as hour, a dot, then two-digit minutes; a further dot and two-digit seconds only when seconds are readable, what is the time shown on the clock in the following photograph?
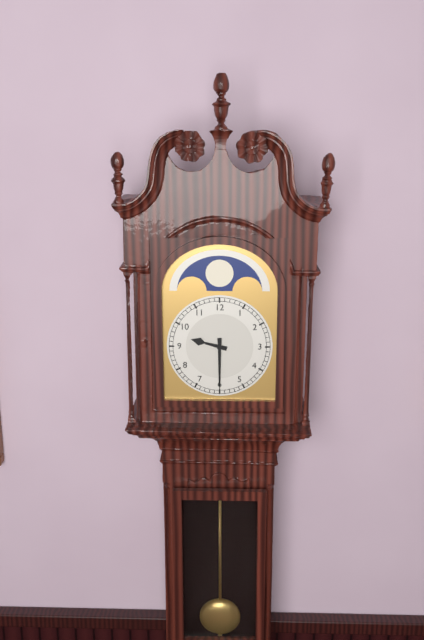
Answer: 9.30
